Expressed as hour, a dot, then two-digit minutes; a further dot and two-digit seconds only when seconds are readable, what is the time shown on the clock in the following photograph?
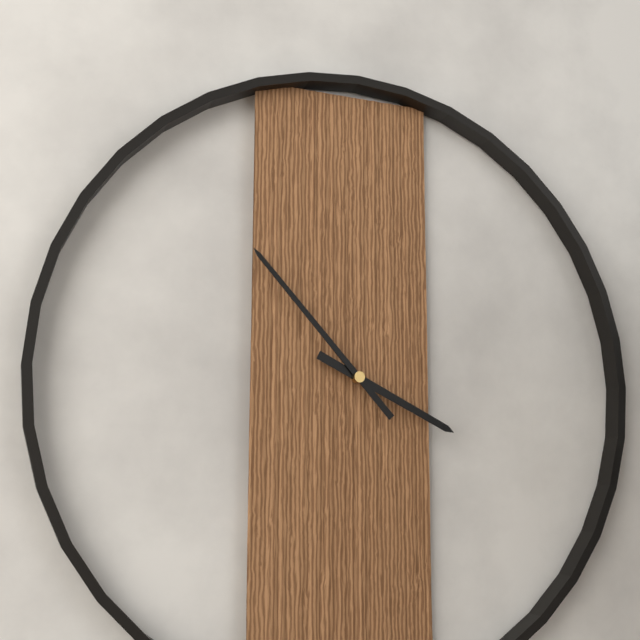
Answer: 3.53
